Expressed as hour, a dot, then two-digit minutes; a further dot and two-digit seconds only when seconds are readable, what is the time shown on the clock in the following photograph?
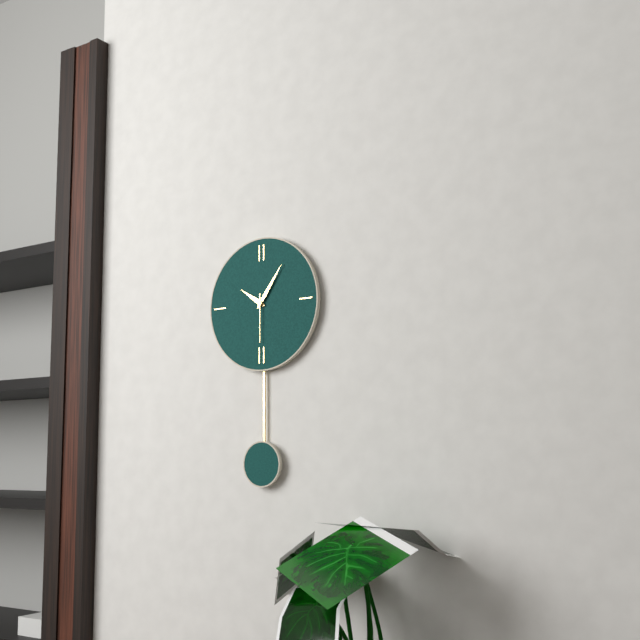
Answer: 10.06
